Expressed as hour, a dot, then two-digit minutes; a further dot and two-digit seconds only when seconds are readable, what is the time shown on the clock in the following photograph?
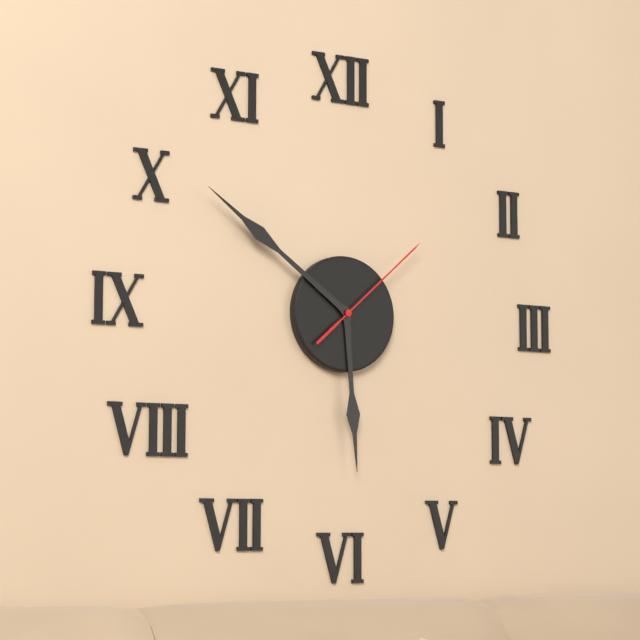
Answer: 5.51.08
